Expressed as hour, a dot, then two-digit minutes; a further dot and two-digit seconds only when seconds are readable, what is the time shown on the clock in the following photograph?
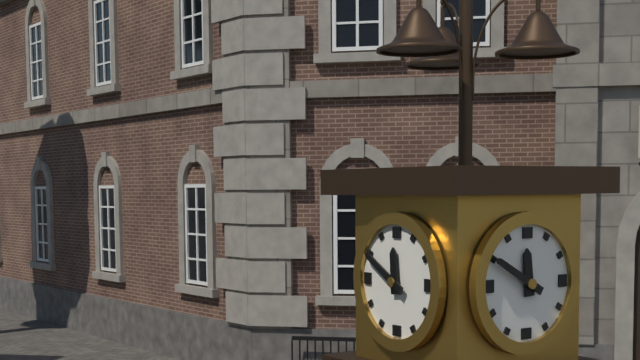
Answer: 11.50
